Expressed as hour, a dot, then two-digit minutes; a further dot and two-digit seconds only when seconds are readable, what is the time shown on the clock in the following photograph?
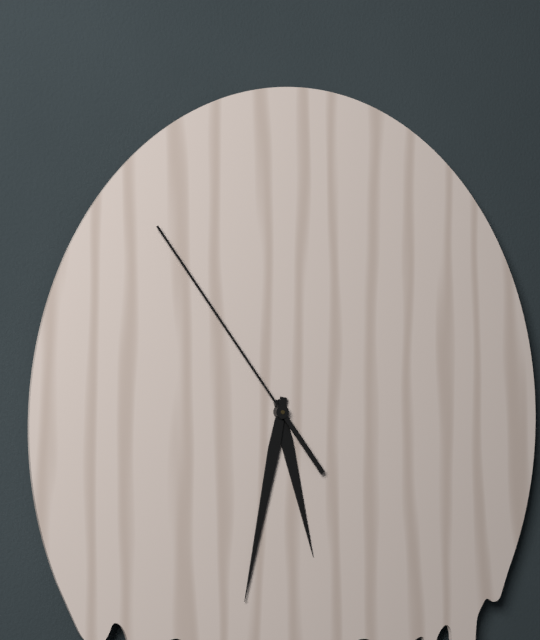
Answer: 5.32.54
